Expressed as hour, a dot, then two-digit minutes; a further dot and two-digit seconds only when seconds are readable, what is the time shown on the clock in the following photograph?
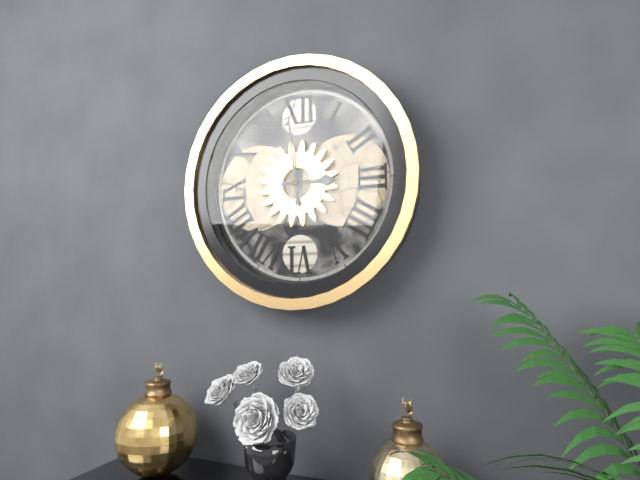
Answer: 2.59
